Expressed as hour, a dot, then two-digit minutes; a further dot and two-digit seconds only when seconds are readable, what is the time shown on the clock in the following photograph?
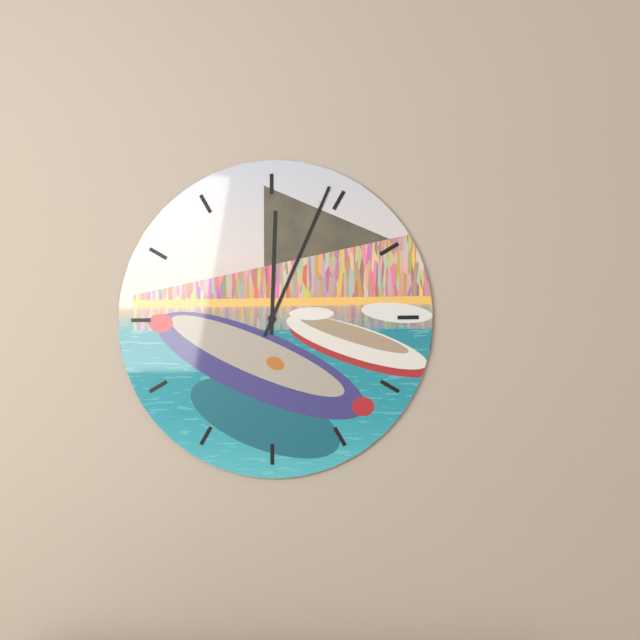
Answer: 12.04
